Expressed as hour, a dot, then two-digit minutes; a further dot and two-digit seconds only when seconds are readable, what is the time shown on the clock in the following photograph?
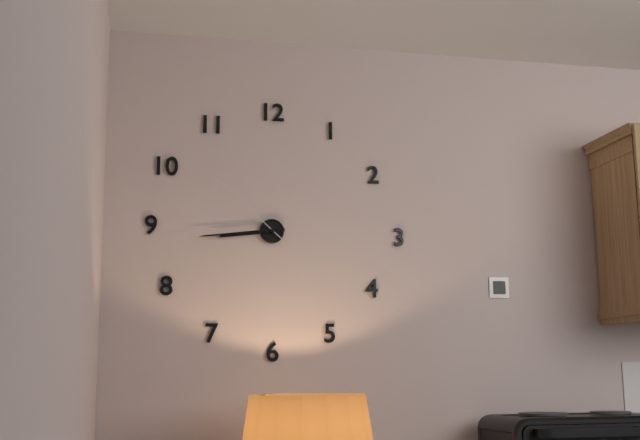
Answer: 8.44.52
